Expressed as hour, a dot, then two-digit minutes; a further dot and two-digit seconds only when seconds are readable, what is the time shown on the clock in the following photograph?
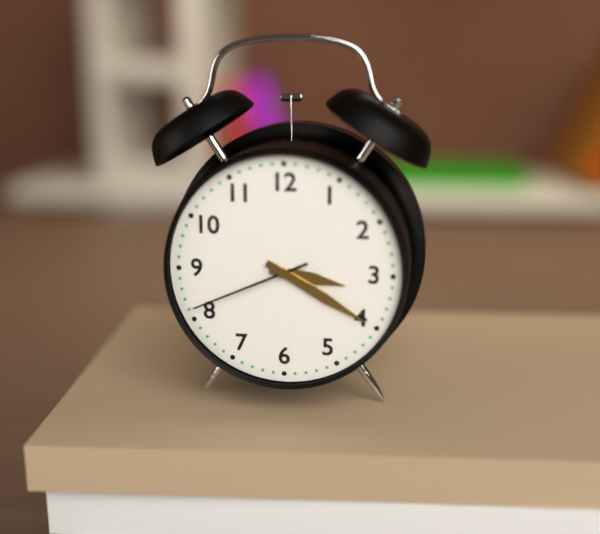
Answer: 3.20.41
